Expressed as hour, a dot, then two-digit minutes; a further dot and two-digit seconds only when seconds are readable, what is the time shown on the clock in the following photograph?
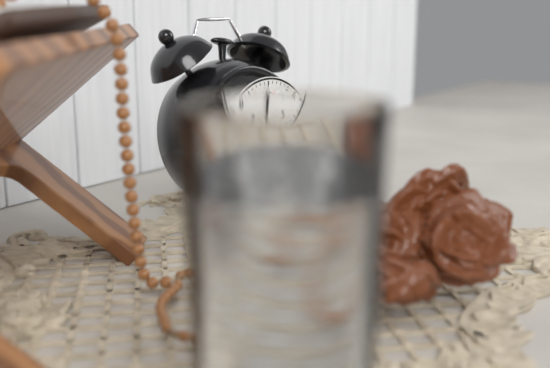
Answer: 3.31.56
